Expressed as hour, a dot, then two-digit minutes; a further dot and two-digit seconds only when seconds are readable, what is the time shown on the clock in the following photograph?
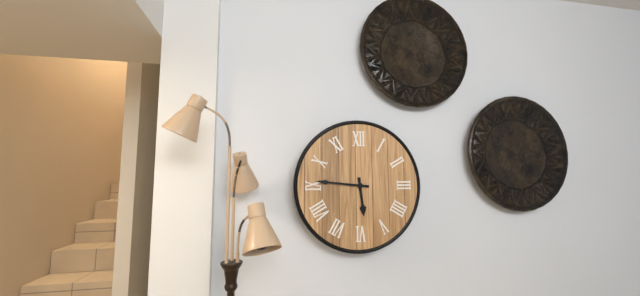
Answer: 5.46
